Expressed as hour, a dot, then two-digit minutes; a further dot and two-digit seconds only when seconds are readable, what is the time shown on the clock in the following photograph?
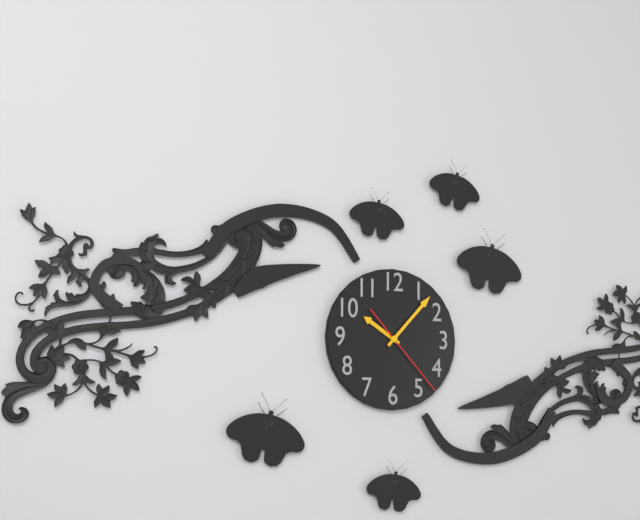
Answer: 10.07.23
